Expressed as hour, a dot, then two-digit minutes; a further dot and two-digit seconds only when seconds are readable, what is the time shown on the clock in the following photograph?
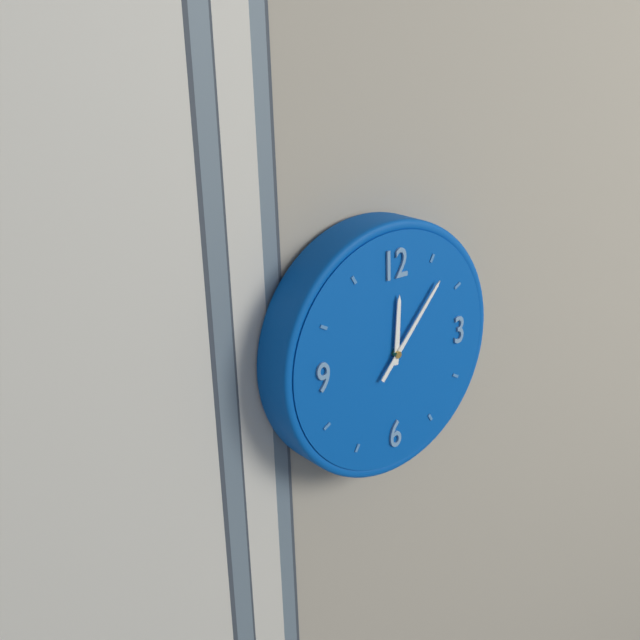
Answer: 12.07
